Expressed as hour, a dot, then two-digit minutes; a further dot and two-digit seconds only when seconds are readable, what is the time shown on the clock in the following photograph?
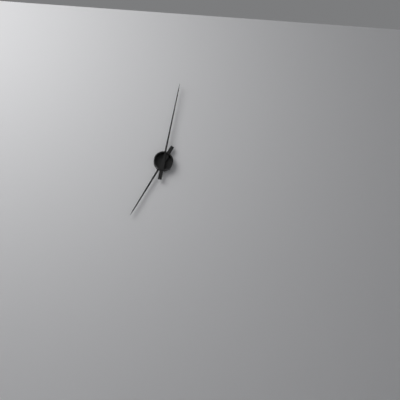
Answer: 7.02
